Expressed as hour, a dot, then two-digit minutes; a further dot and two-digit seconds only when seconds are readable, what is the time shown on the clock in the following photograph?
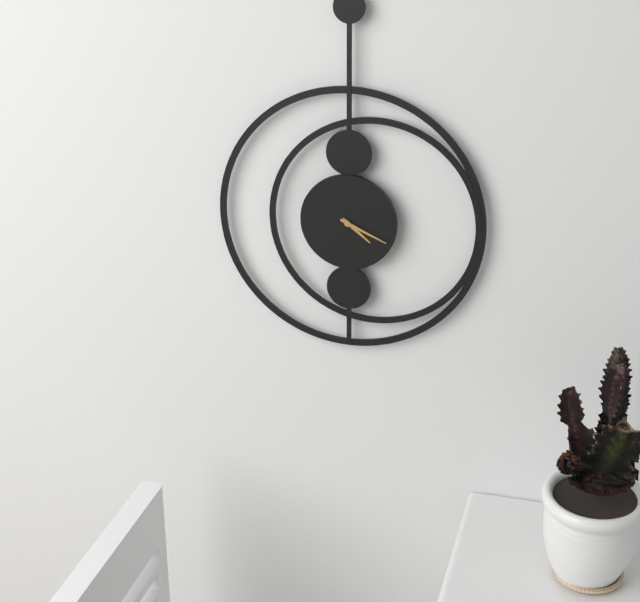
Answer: 4.19
